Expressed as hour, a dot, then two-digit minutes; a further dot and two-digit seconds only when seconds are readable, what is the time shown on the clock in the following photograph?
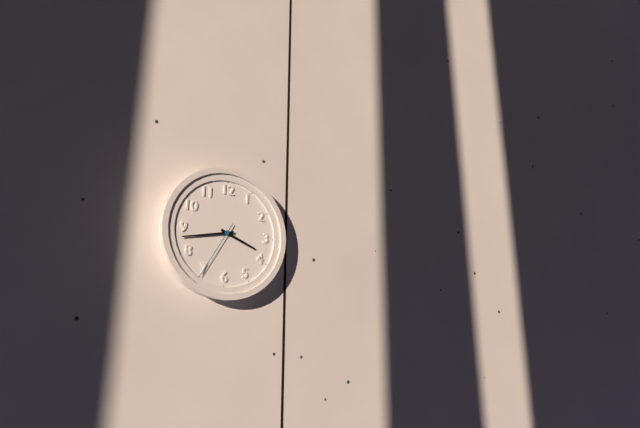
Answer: 3.43.35
